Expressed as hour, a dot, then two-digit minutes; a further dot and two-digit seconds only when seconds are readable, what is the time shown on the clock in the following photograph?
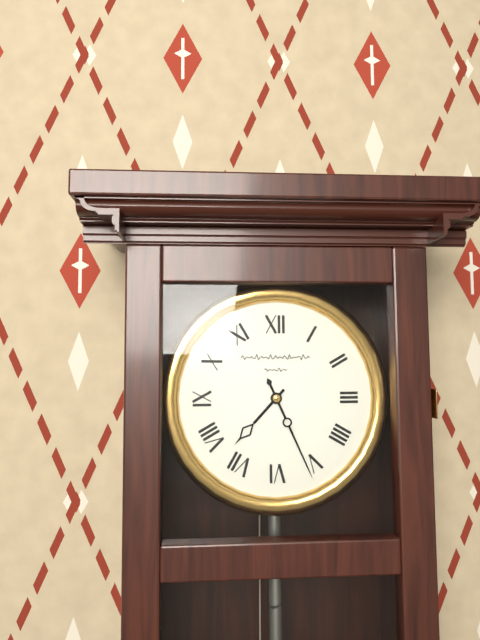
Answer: 7.26
